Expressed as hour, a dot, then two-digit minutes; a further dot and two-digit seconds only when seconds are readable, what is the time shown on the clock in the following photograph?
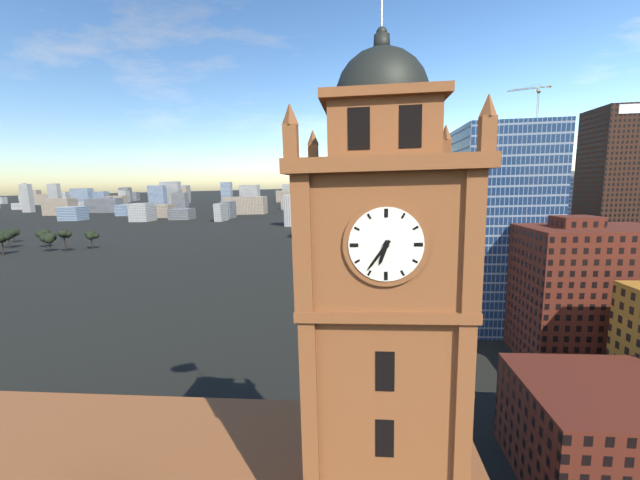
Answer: 6.36
